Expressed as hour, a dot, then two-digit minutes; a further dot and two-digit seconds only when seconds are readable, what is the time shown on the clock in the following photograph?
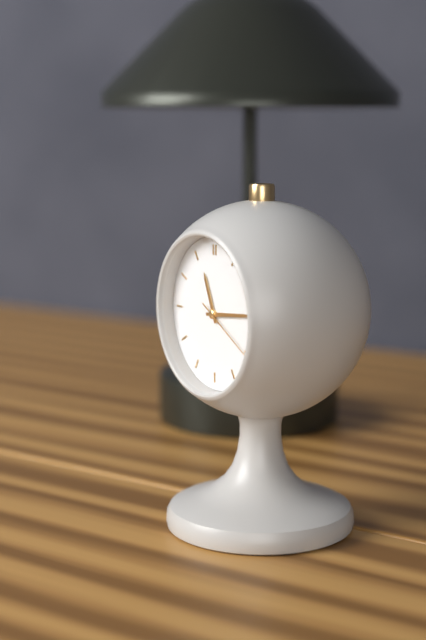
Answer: 11.14.20
